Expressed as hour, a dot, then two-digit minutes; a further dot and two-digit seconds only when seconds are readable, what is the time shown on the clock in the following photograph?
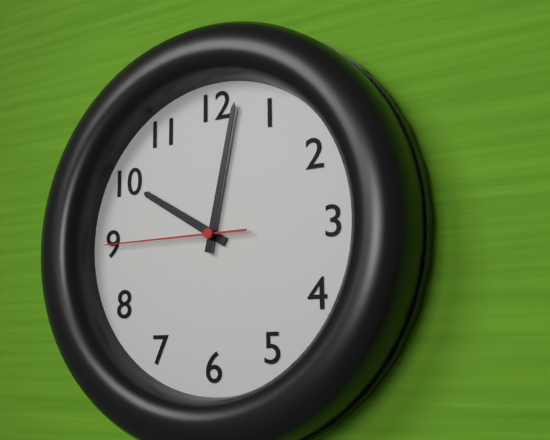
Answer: 10.02.45
